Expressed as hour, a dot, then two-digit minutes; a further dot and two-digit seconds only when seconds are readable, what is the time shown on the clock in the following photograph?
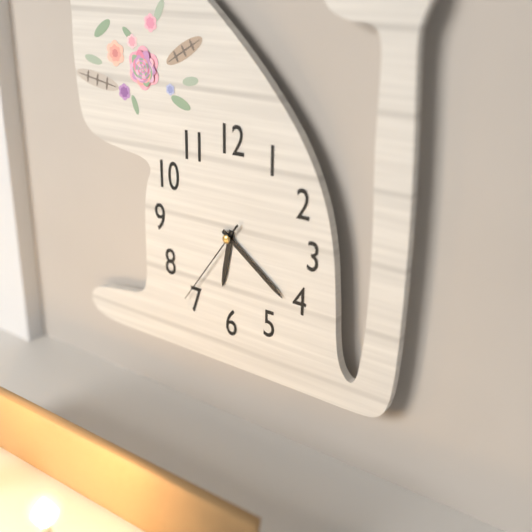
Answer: 6.21.36
